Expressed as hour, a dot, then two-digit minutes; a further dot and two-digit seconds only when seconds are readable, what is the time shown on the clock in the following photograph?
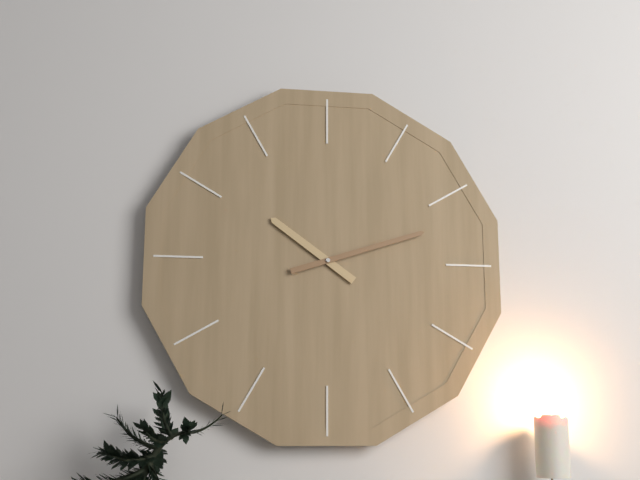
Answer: 10.12
